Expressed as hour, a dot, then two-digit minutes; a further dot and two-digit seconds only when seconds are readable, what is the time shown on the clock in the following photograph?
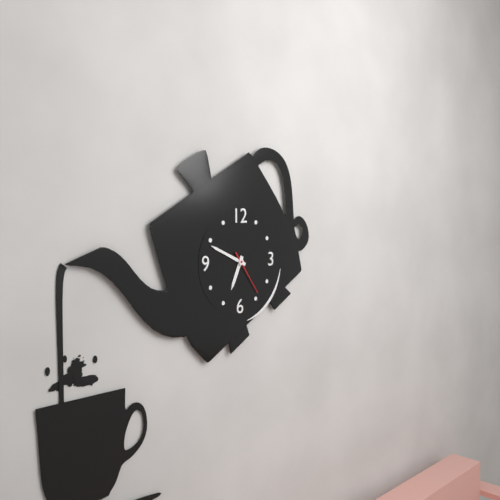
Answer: 6.49
